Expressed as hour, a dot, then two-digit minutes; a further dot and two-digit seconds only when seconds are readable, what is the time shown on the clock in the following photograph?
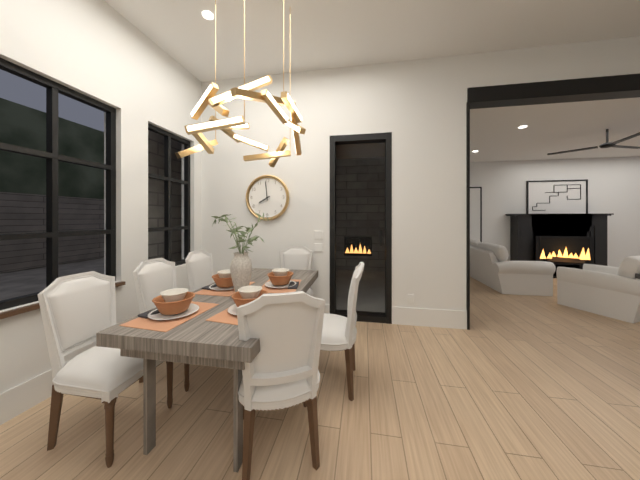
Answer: 7.59
